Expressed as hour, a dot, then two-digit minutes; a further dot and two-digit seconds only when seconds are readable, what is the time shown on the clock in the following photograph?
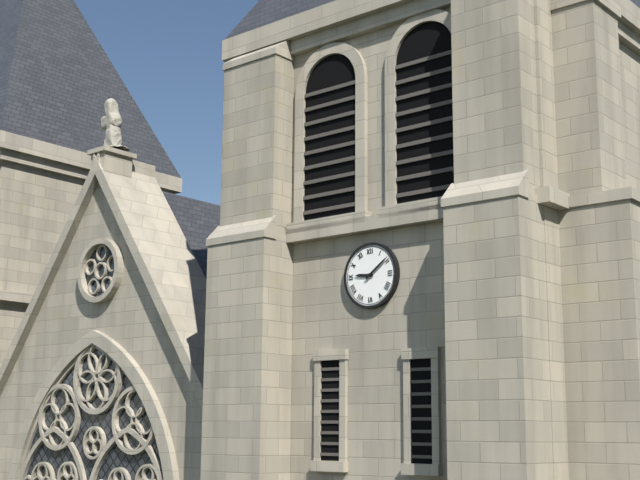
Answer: 9.09
